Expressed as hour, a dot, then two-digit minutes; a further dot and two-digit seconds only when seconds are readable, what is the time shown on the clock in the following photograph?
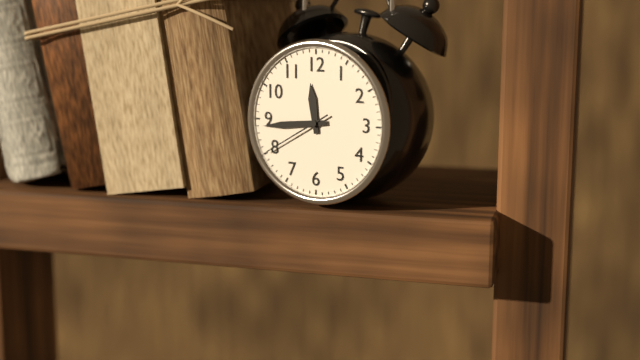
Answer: 11.44.40
